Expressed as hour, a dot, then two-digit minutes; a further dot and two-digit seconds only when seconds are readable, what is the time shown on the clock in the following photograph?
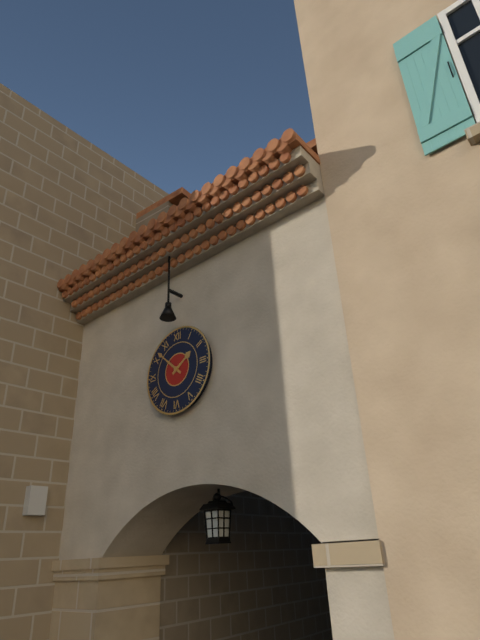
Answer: 1.52
